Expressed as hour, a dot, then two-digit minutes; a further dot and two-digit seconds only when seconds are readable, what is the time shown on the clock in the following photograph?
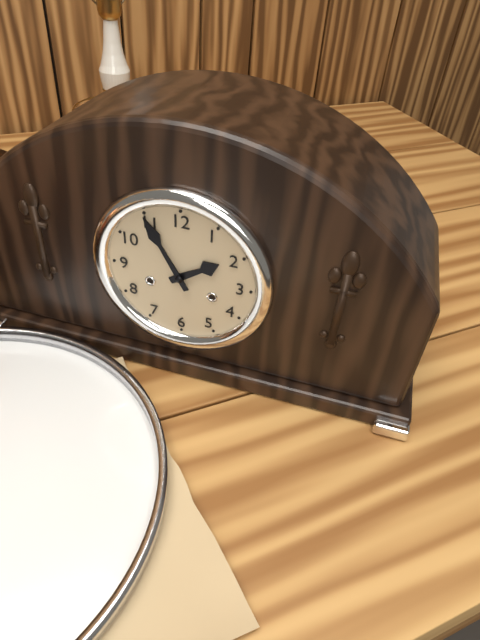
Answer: 1.55
